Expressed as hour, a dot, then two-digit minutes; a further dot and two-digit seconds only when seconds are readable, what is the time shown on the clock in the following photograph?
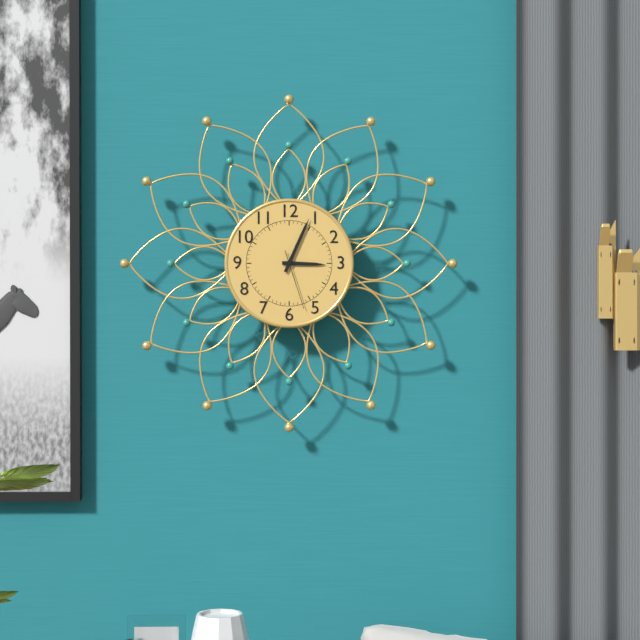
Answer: 3.04.27
